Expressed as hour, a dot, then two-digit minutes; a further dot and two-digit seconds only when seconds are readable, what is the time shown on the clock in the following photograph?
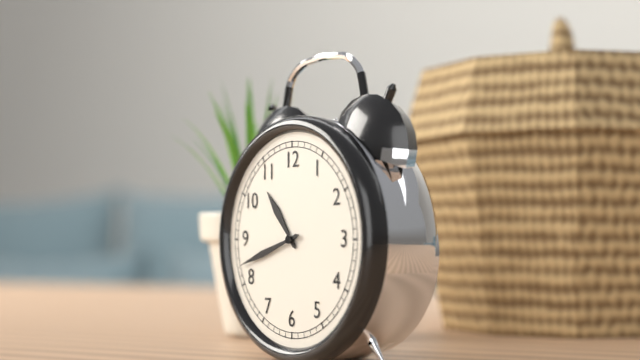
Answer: 10.42
